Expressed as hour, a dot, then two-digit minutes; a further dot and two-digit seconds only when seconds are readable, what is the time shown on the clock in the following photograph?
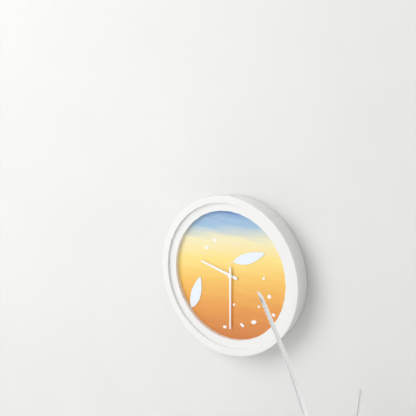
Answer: 9.30
